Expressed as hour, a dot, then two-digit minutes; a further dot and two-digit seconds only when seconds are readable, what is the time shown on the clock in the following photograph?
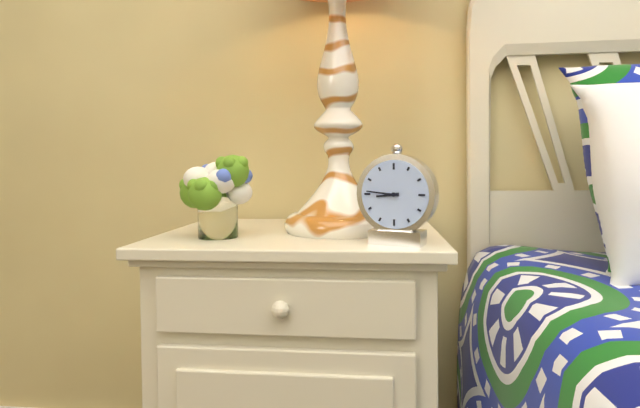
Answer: 8.46
